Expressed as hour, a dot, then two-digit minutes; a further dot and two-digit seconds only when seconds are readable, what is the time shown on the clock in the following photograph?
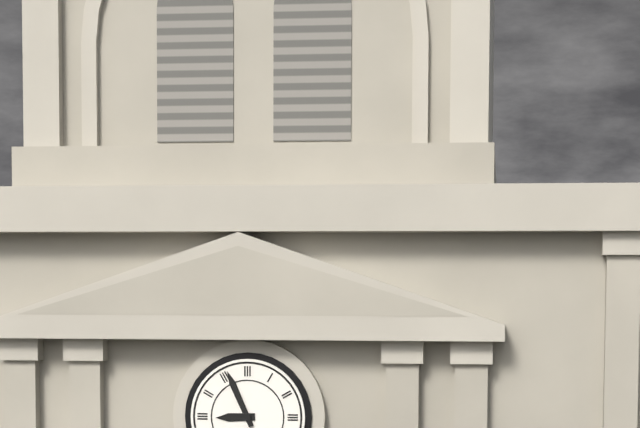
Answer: 8.56
